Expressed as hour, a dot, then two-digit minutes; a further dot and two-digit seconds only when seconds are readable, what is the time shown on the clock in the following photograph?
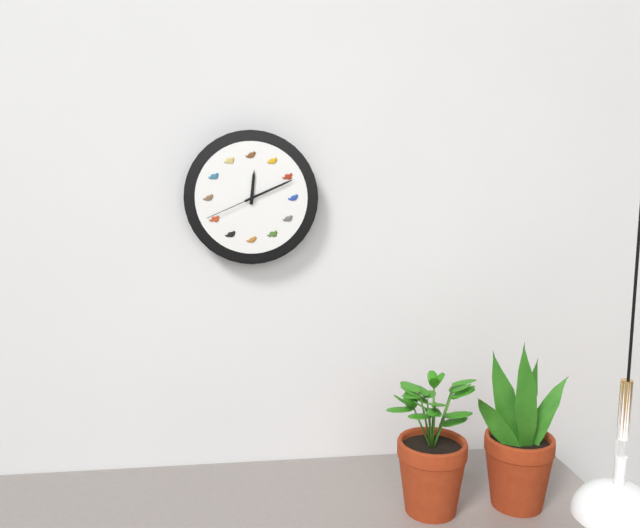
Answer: 12.11.41
